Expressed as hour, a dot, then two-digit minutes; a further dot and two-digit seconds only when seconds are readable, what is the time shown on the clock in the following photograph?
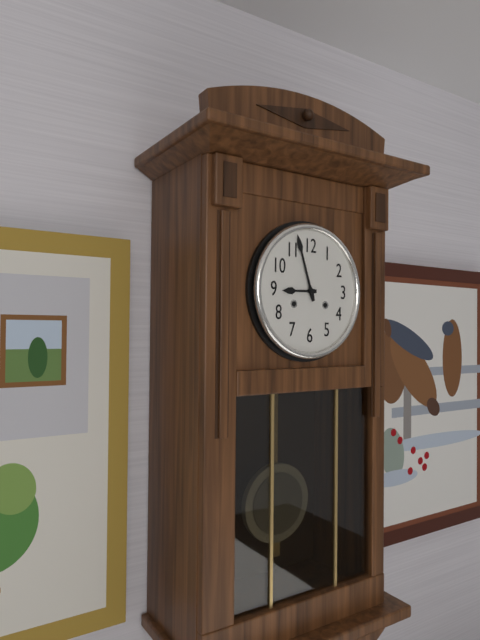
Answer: 8.57
